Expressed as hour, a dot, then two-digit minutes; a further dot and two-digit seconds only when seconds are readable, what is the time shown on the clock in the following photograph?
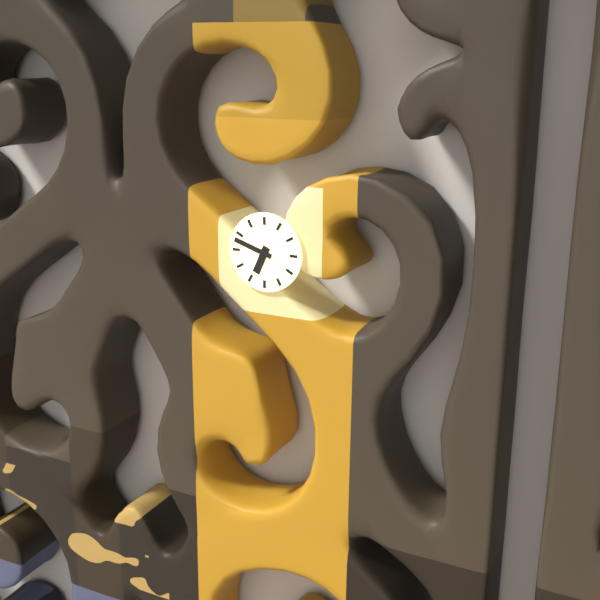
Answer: 6.48
